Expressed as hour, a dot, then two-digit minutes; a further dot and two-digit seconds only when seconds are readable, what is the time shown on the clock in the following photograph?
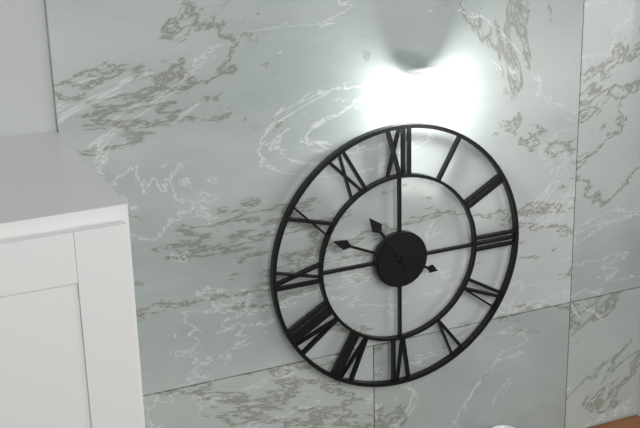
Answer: 10.49
